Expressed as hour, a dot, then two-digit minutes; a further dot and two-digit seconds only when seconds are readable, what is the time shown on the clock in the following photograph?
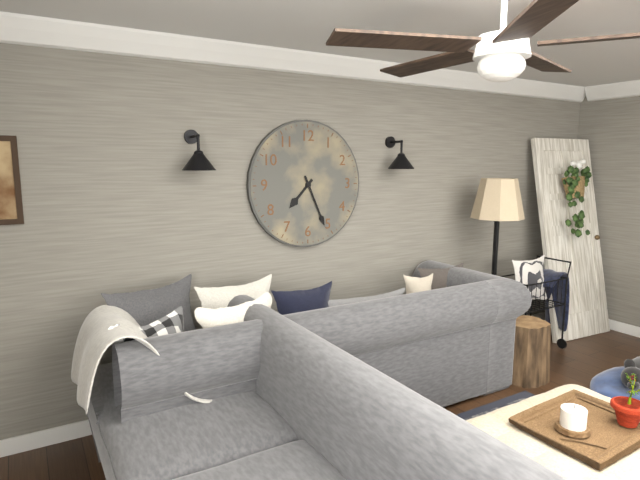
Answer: 7.26
